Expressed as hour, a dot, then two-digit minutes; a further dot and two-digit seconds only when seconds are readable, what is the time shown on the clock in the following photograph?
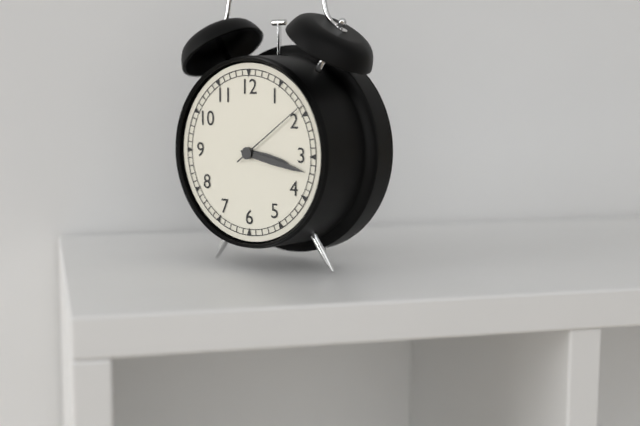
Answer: 3.17.09
